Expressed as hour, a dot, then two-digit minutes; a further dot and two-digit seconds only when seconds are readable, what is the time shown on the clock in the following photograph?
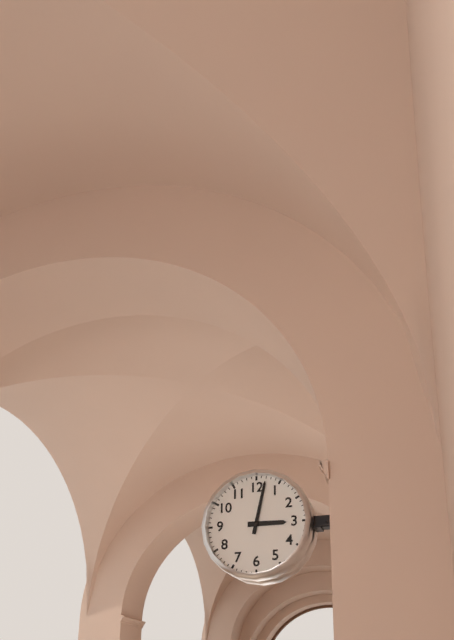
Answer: 3.02
